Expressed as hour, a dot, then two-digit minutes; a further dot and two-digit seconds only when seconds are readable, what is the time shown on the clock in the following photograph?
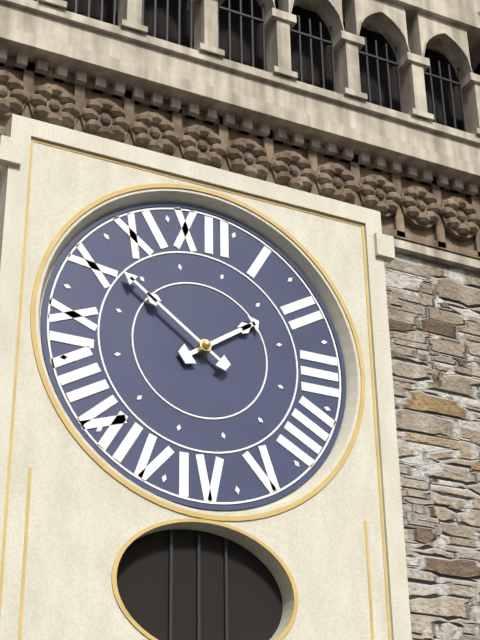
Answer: 1.51
